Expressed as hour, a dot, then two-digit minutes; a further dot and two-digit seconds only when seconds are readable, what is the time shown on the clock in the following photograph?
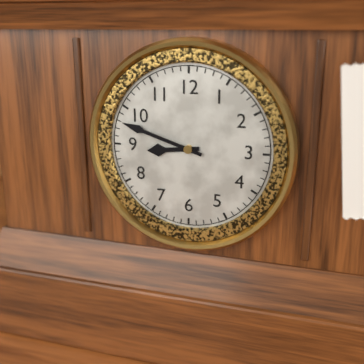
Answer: 8.48
